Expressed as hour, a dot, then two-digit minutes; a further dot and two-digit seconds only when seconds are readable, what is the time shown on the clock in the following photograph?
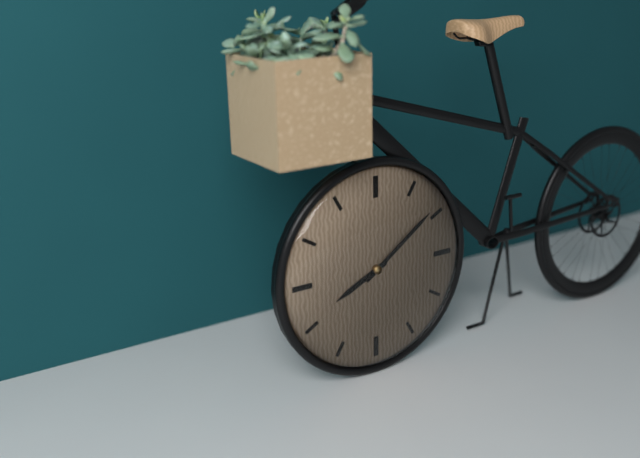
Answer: 8.09
